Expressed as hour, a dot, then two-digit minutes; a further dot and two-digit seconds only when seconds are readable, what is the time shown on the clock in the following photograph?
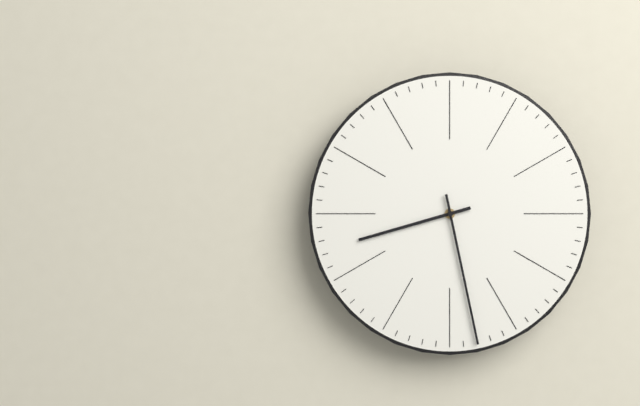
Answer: 8.28
